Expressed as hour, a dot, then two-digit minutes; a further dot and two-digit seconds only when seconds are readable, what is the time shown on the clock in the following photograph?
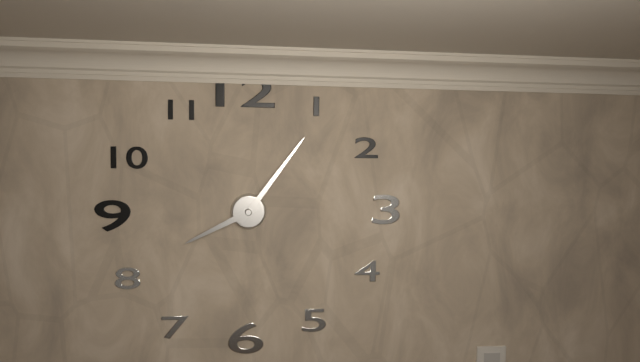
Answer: 8.06
